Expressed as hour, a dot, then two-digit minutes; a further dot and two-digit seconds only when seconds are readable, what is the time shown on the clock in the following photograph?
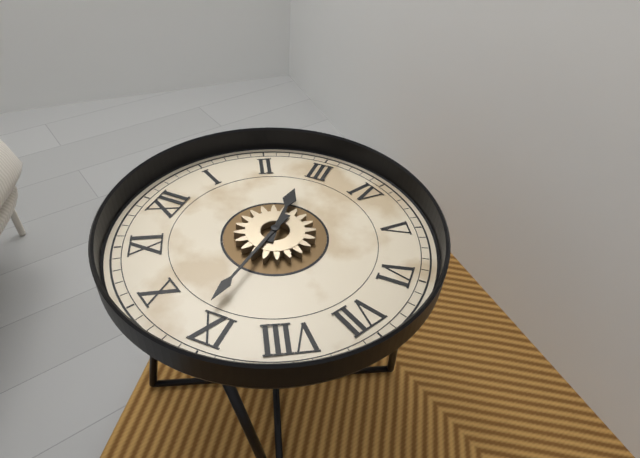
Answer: 2.46
